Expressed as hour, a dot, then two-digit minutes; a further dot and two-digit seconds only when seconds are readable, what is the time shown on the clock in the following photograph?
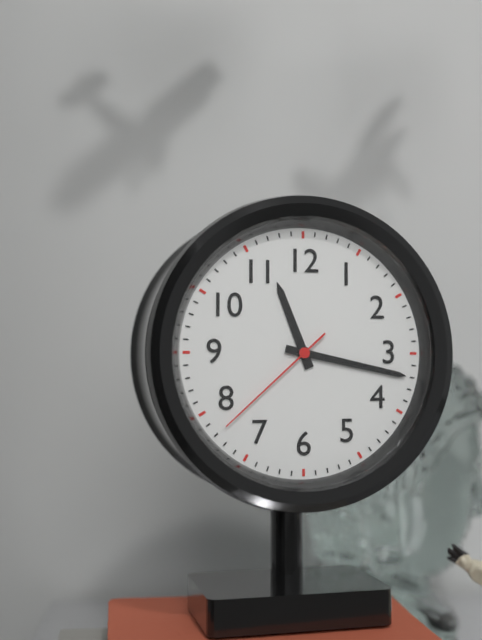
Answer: 11.17.38
